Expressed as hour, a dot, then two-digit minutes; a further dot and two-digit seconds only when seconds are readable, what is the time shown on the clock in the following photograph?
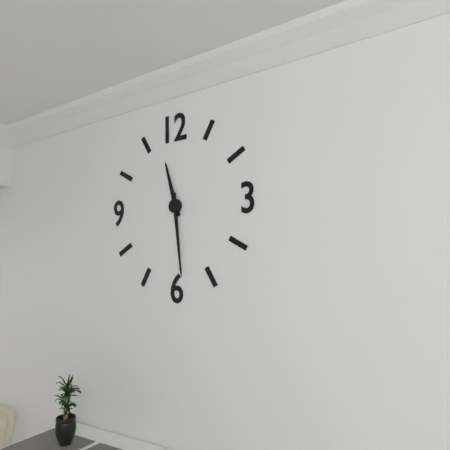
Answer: 11.29
